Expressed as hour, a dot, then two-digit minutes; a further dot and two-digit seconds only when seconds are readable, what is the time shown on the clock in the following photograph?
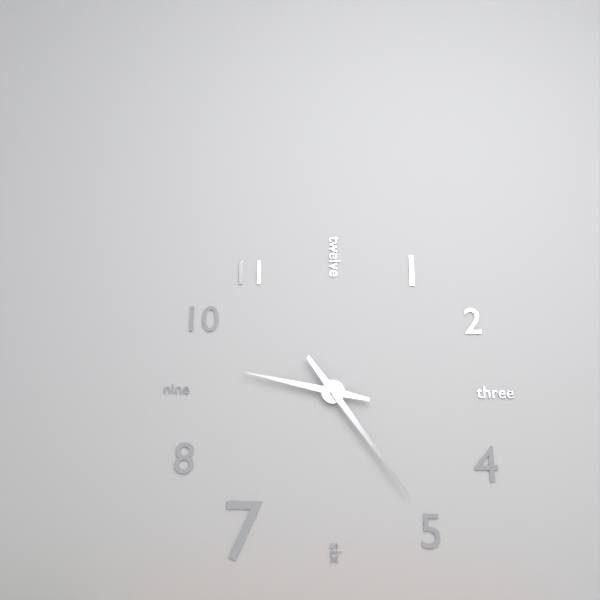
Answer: 9.24
